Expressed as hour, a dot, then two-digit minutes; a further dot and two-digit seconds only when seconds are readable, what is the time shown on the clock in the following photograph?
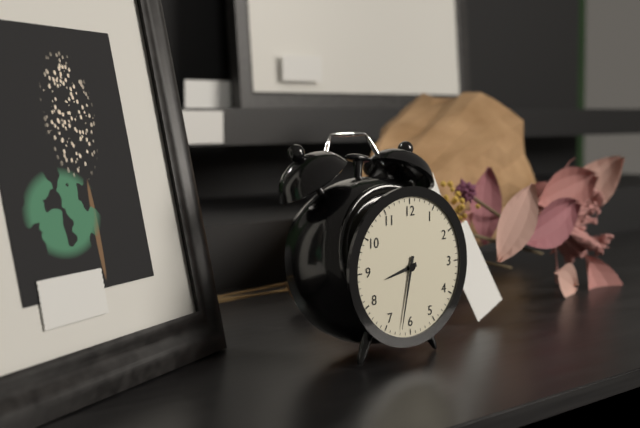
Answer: 8.32
